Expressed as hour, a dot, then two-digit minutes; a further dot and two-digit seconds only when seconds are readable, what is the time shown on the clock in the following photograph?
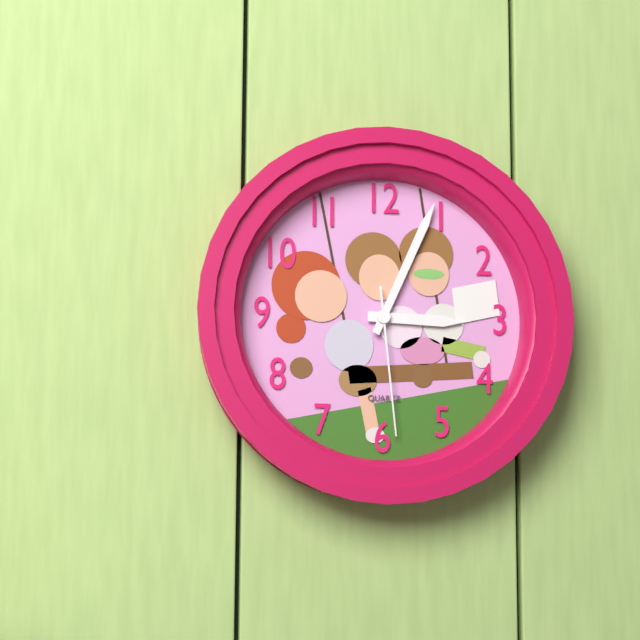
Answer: 3.04.29
